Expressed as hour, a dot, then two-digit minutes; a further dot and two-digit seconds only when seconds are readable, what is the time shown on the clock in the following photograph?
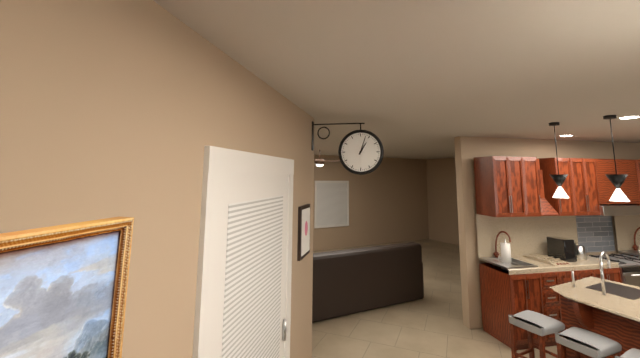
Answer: 1.03
